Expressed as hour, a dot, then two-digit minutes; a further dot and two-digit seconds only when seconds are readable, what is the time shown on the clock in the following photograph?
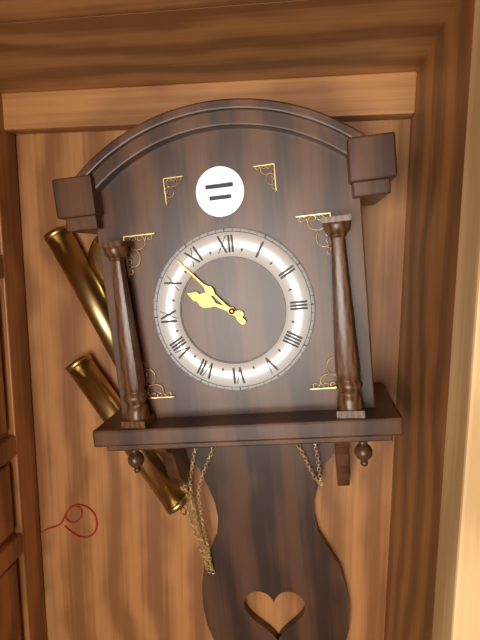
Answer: 9.53
